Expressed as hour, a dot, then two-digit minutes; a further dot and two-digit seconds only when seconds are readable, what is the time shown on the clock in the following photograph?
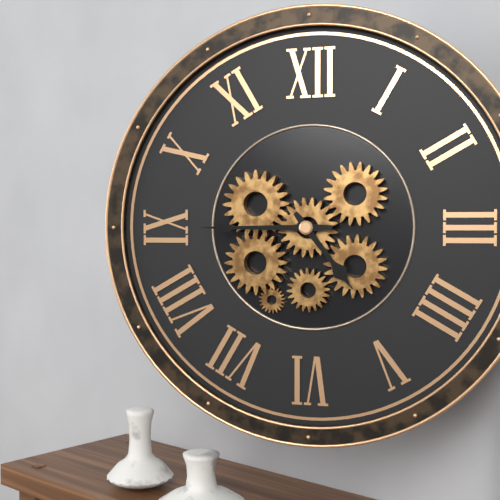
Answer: 4.45
